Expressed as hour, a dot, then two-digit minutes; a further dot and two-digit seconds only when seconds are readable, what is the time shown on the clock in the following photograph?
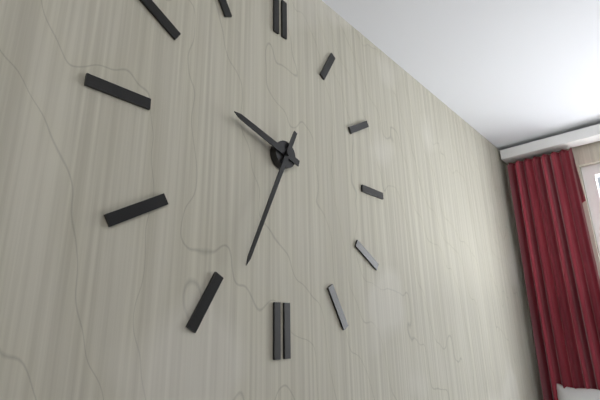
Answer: 9.34
